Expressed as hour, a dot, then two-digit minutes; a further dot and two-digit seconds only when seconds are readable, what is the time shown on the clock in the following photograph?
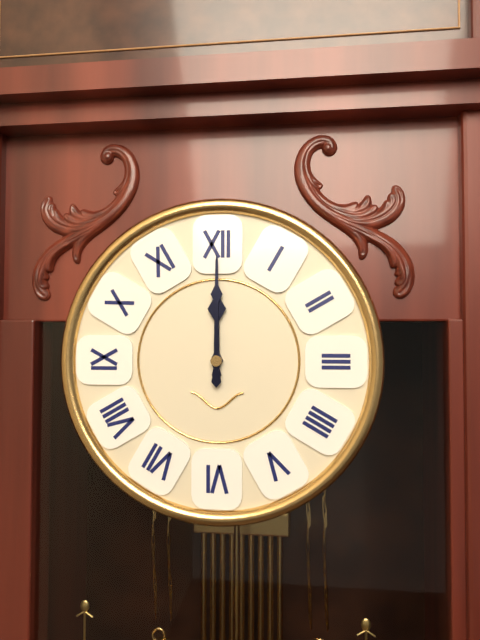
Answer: 12.00
